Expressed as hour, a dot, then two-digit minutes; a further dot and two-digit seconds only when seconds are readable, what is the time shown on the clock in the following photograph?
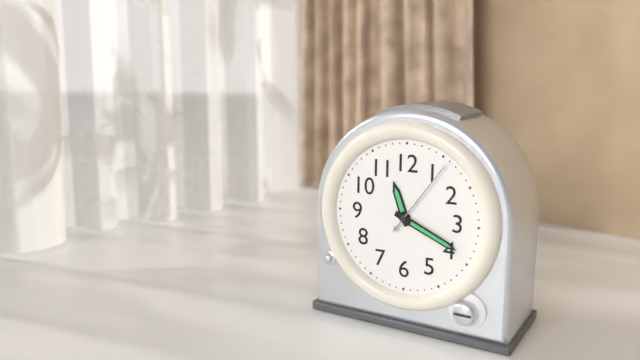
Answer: 11.19.06
